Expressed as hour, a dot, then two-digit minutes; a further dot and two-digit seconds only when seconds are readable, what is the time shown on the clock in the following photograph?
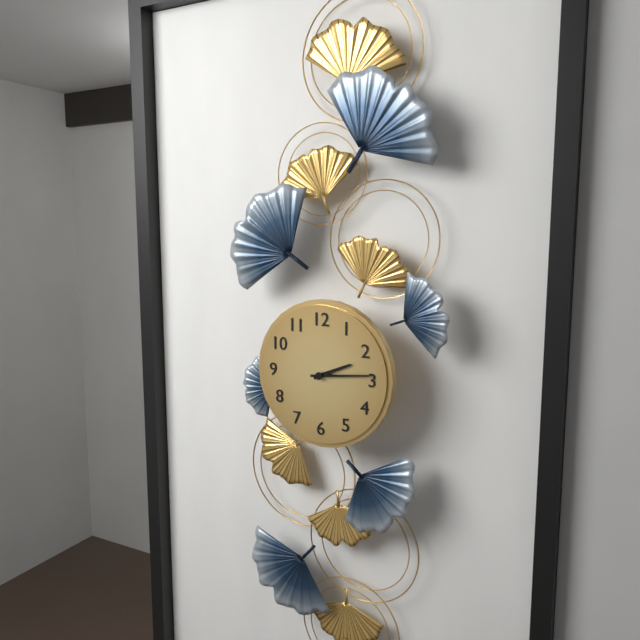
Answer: 2.14
